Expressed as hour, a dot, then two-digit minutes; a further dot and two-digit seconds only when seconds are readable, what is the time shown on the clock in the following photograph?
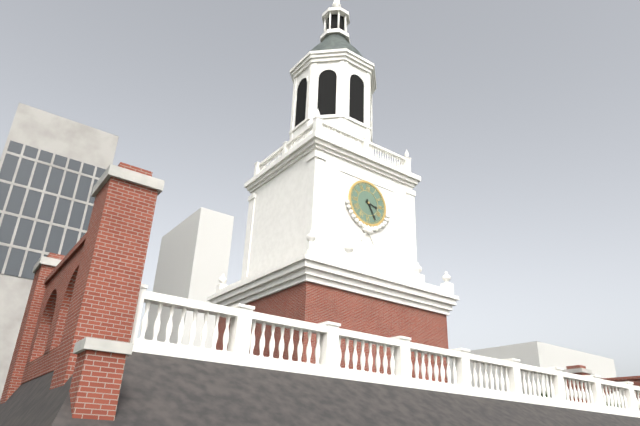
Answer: 3.25
